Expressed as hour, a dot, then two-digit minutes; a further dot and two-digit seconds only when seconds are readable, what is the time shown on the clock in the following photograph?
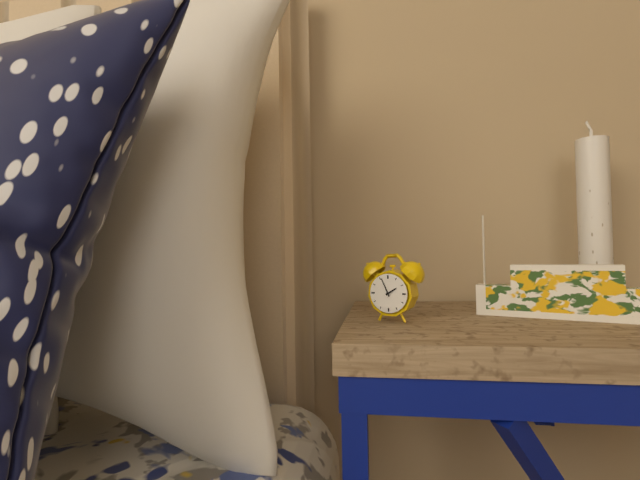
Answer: 1.56
